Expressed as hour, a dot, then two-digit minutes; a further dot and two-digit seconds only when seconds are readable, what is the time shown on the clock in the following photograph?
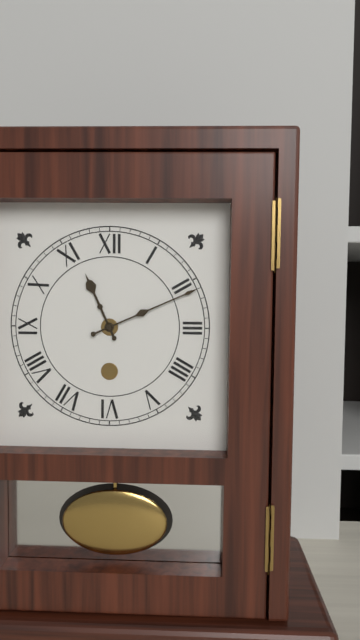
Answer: 11.11
